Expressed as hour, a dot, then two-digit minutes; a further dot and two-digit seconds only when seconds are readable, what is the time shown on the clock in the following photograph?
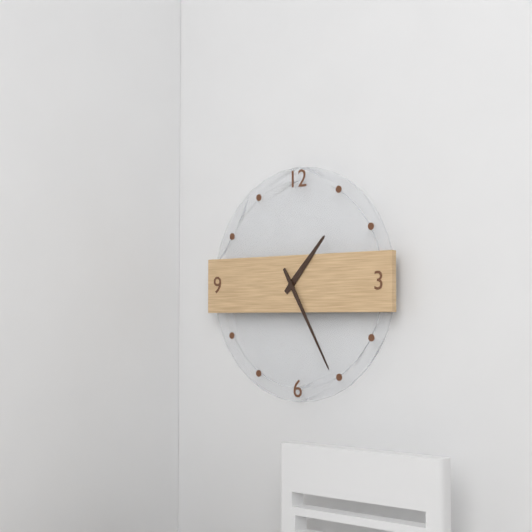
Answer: 1.25
